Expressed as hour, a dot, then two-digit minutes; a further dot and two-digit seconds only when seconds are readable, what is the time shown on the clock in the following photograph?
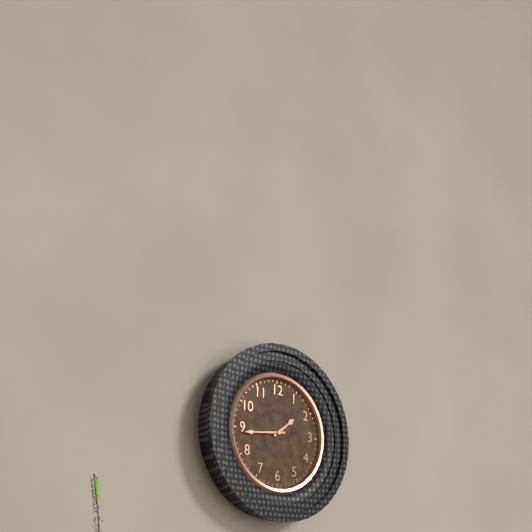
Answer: 1.44
